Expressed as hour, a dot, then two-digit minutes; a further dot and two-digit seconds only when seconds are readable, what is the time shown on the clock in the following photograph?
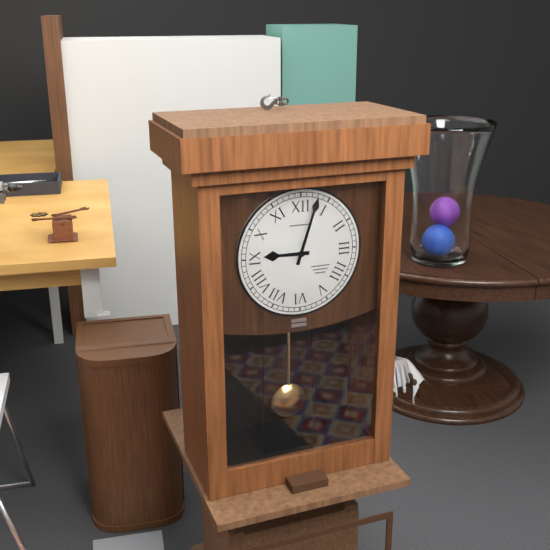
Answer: 9.03
